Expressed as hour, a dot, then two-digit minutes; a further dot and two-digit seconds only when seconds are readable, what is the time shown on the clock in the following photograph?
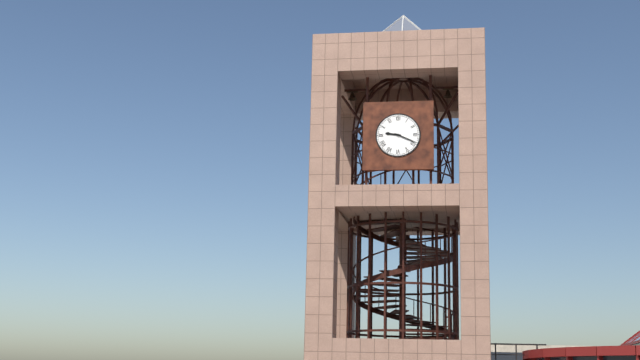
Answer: 9.19
